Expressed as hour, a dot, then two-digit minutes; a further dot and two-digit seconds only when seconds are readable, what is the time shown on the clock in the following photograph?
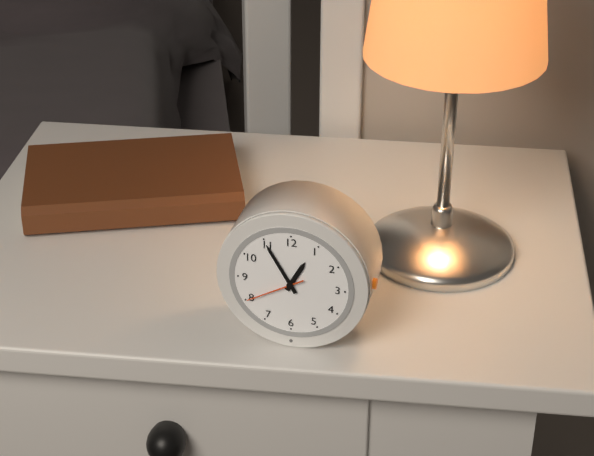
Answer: 12.55.40
